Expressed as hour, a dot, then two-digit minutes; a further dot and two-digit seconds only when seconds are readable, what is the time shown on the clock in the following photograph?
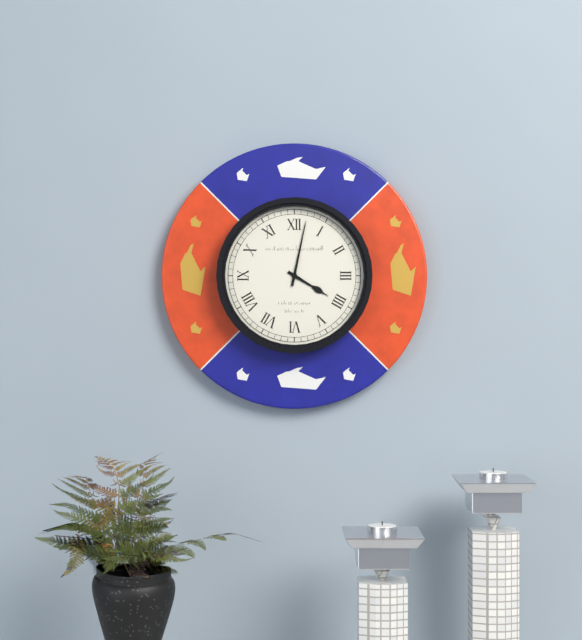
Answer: 4.02
